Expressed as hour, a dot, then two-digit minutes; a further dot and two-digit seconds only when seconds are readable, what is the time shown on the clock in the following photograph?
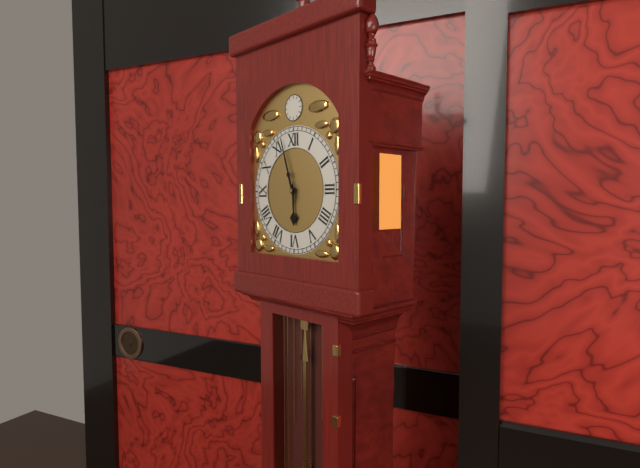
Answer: 5.57
